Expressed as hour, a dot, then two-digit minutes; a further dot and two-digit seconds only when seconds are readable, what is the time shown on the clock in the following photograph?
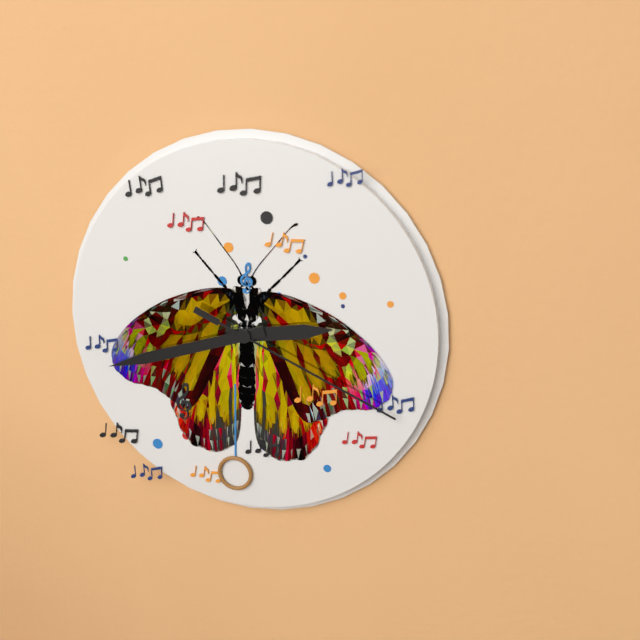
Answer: 2.42.19
